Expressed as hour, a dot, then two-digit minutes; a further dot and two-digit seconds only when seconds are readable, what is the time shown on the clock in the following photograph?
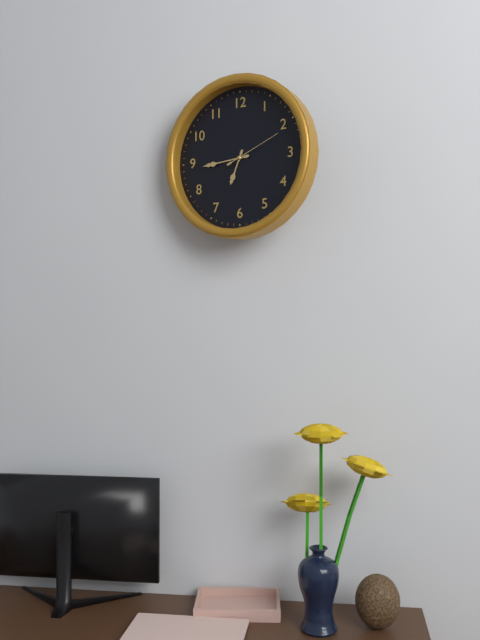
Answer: 6.44.11
